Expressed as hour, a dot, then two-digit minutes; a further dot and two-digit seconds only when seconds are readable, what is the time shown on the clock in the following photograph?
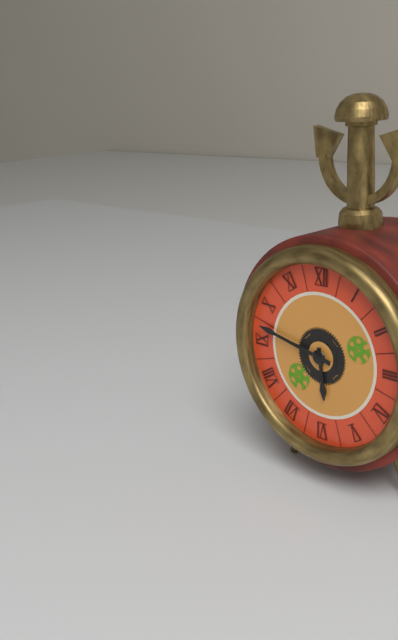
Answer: 5.47
